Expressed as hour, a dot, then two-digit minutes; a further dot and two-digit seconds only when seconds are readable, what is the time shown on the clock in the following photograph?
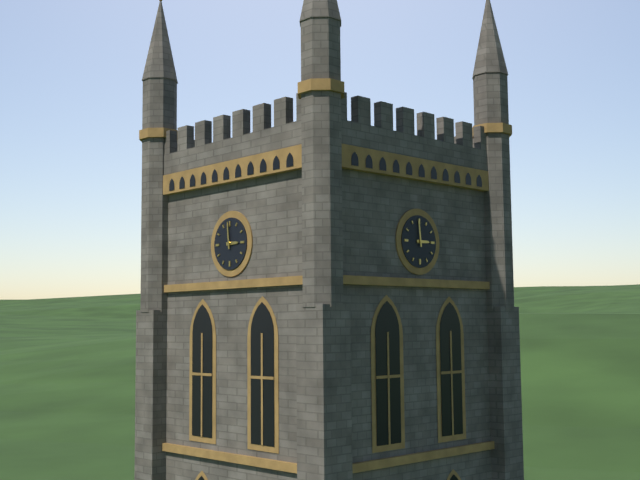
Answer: 2.59
